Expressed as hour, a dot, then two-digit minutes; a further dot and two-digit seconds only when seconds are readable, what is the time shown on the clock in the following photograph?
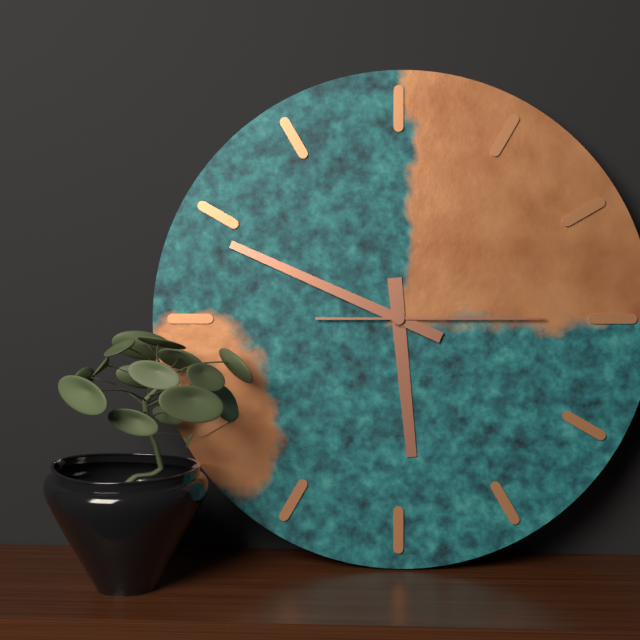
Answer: 5.49.15
